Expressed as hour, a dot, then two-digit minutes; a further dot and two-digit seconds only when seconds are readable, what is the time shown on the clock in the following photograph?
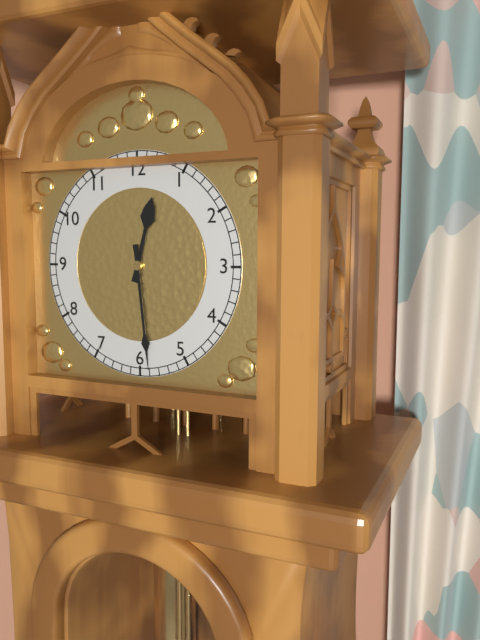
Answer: 12.29
